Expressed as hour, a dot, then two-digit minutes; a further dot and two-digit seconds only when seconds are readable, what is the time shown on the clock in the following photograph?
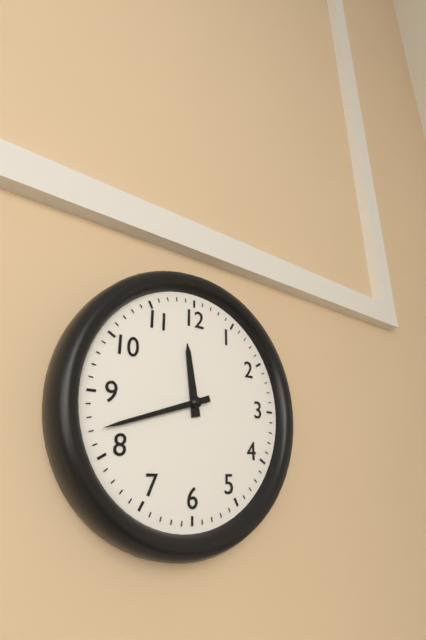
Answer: 11.42
